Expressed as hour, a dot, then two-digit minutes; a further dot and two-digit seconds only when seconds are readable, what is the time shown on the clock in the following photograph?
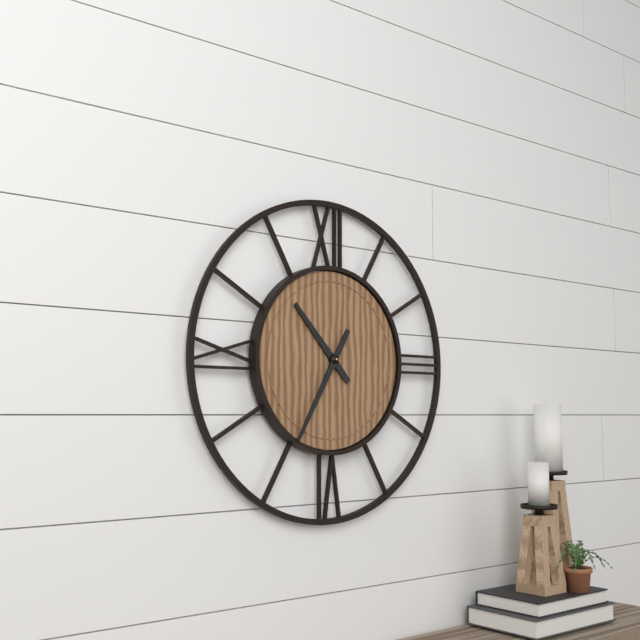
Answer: 10.35
